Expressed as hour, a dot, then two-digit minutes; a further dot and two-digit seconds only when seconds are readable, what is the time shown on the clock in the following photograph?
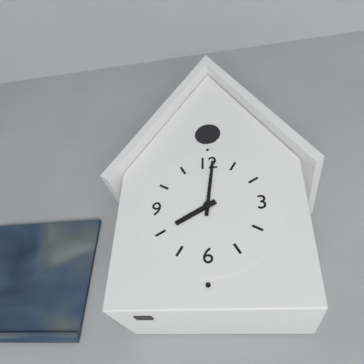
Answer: 8.01
